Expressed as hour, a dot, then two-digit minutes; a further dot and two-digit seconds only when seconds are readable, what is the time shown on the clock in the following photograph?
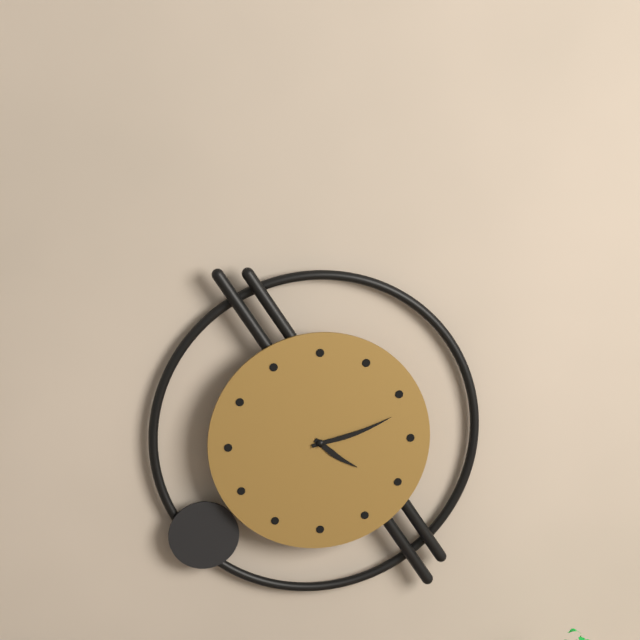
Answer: 4.12
